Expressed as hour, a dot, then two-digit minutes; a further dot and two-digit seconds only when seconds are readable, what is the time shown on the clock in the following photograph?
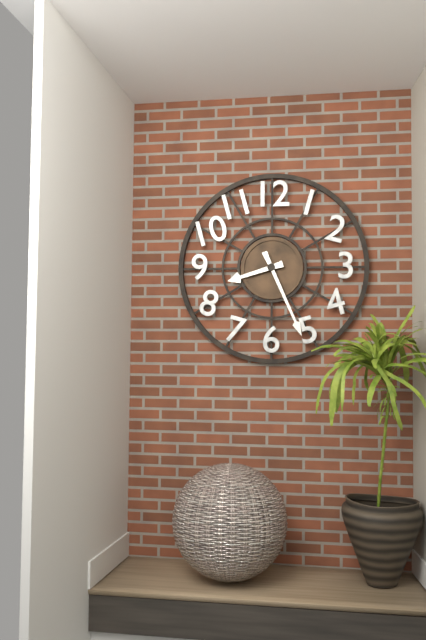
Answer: 8.26
